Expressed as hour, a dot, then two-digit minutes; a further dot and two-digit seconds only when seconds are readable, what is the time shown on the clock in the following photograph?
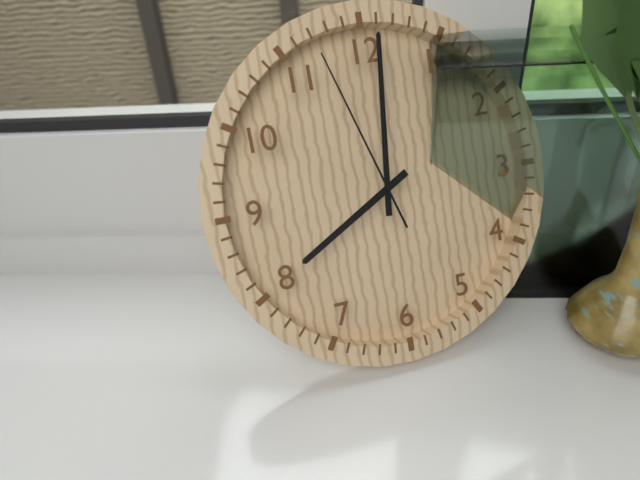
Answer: 8.01.57
